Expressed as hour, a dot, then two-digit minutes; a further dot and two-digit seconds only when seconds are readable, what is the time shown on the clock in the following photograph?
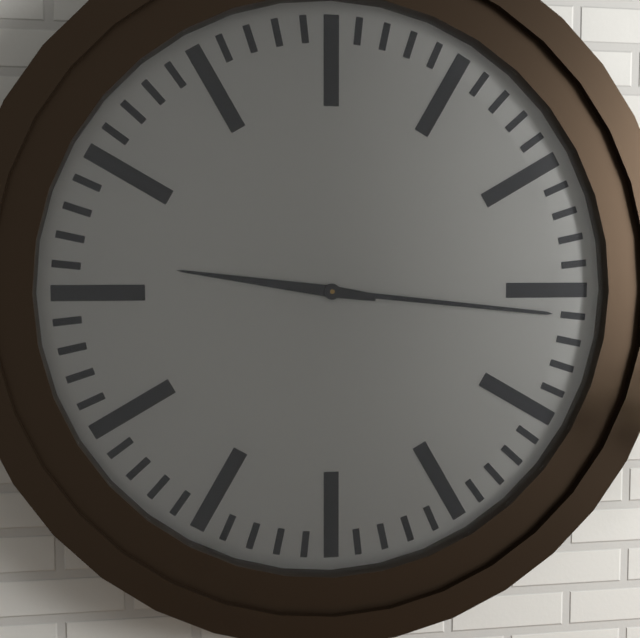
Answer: 9.16
